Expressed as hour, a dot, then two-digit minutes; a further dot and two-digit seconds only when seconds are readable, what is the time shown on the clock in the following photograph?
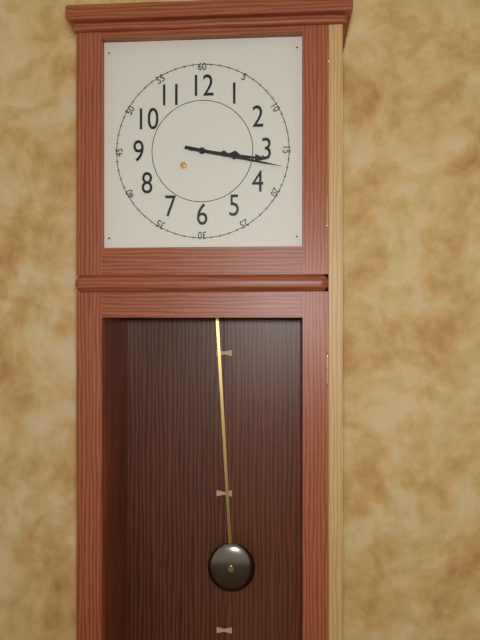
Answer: 3.17
